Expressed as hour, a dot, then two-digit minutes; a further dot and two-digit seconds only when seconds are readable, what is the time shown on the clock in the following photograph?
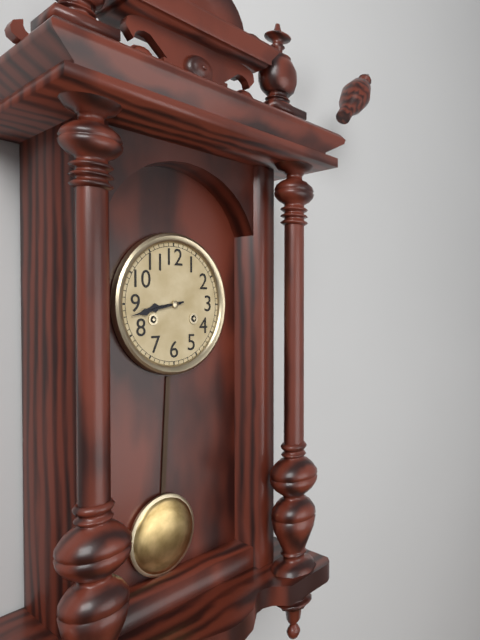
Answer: 8.43
